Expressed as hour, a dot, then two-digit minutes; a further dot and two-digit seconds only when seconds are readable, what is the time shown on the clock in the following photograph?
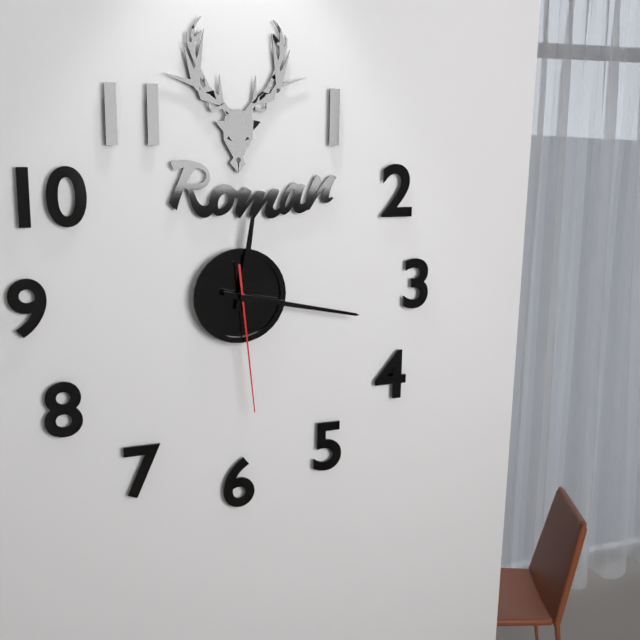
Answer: 12.17.29
